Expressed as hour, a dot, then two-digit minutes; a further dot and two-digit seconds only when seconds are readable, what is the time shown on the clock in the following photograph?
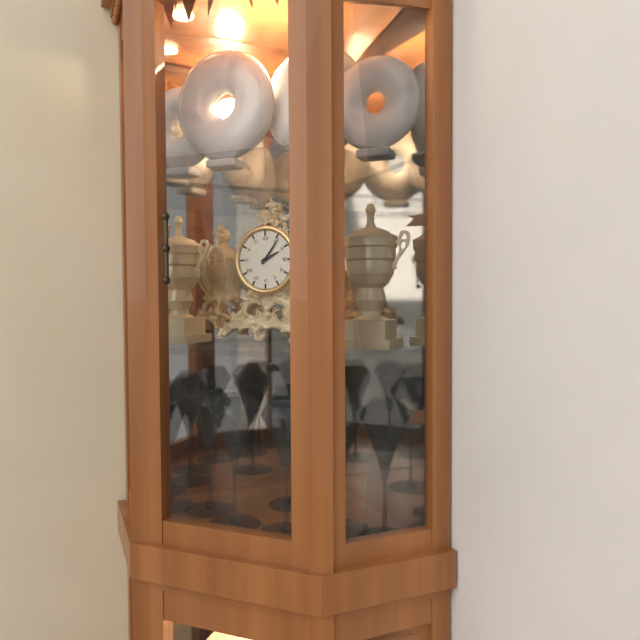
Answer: 2.06
